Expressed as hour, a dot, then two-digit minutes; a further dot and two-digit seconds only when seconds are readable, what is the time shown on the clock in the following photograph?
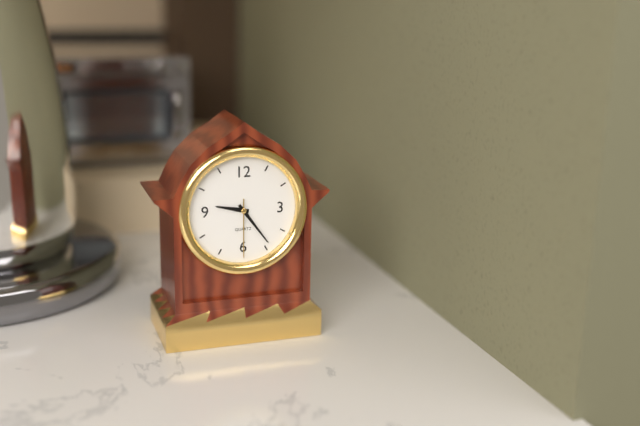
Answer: 9.24.30
